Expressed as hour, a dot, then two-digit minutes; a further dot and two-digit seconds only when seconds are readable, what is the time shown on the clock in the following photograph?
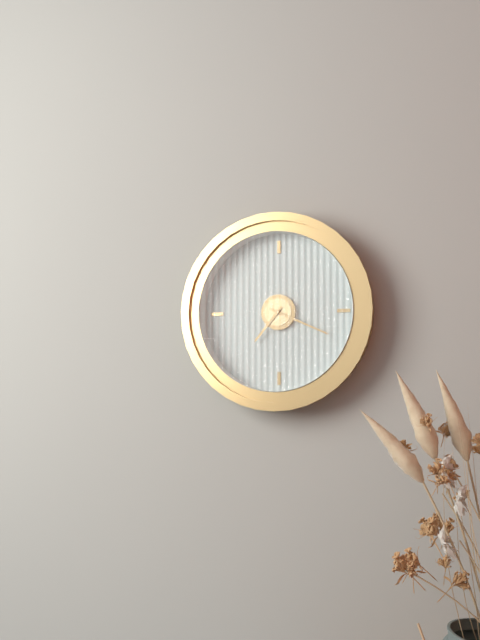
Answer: 7.19
